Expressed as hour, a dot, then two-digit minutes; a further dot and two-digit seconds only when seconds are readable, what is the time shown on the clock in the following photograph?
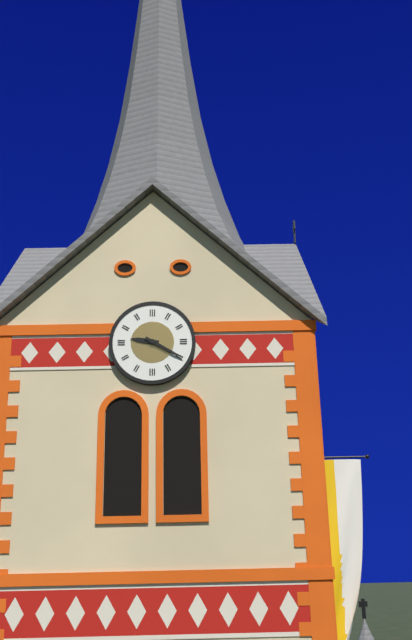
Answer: 9.20
